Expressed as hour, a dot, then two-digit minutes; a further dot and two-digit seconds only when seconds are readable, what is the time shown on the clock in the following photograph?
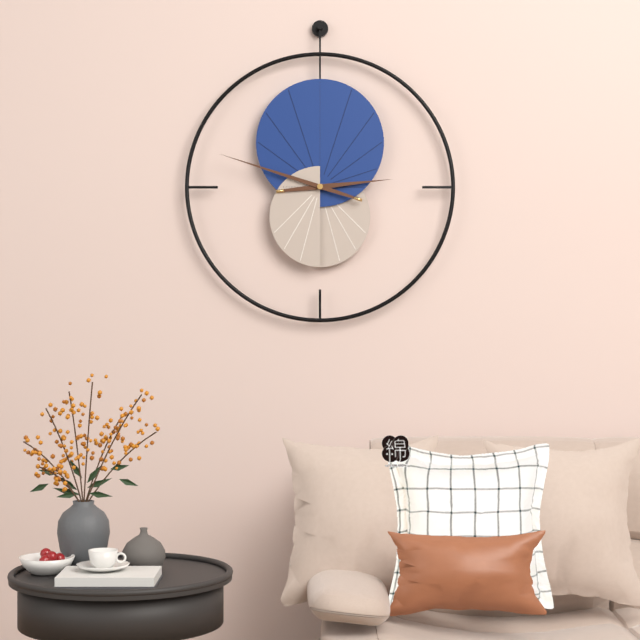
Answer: 2.48
